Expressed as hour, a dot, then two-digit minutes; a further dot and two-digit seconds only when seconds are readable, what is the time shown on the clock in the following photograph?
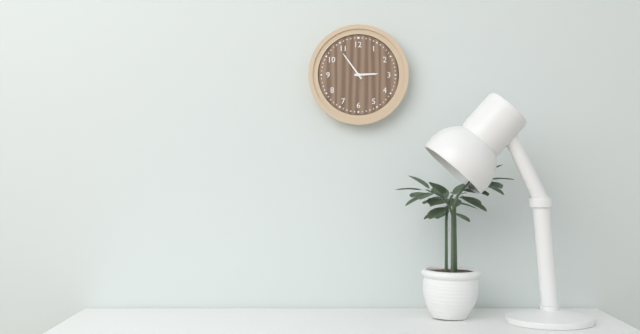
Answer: 2.54
